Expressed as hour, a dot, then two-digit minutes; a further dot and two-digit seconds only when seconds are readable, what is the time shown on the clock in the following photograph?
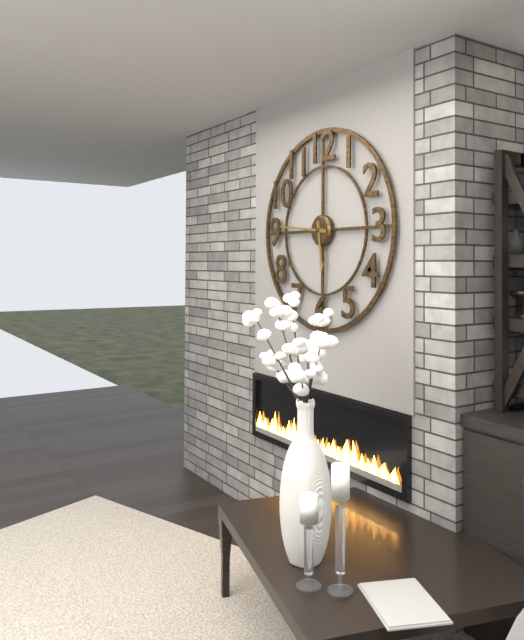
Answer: 5.46
